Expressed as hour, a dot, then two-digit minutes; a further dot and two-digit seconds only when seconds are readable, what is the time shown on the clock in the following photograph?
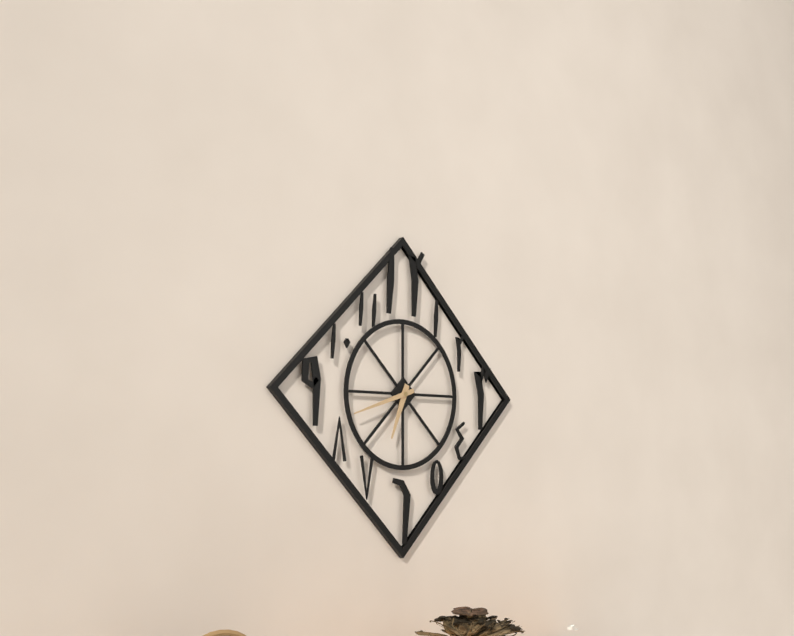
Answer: 6.42
